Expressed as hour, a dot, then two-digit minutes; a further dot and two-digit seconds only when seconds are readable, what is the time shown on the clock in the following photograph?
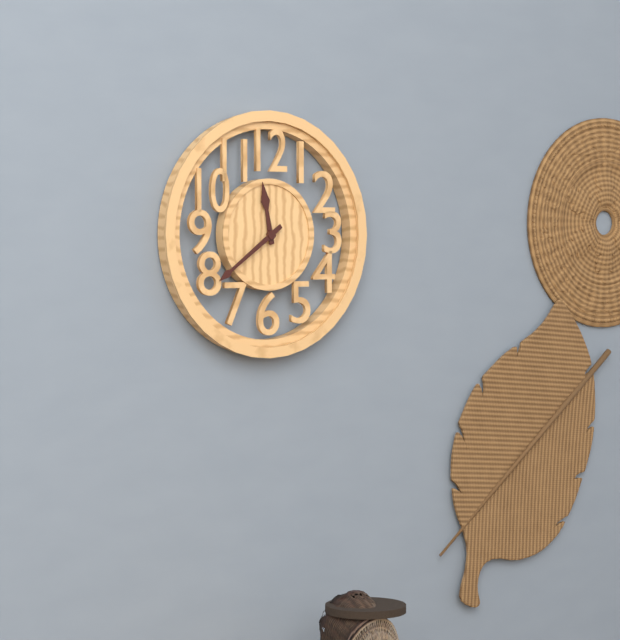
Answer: 11.39
